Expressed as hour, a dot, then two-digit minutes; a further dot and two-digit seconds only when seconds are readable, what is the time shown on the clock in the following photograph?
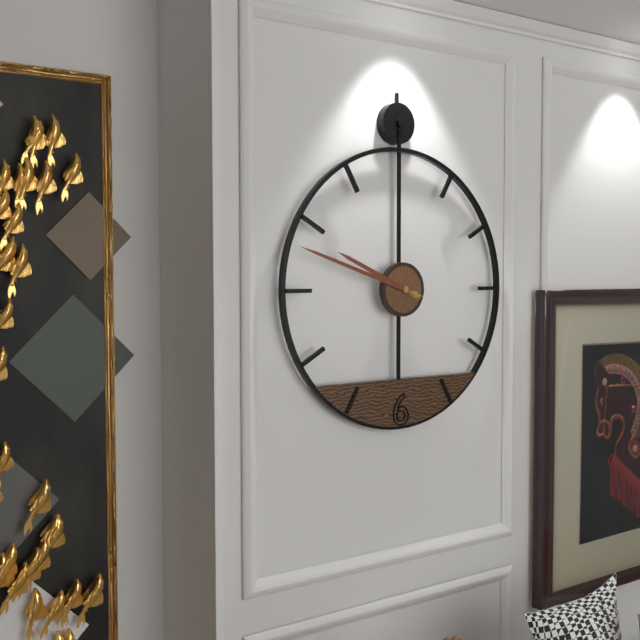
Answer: 9.48
